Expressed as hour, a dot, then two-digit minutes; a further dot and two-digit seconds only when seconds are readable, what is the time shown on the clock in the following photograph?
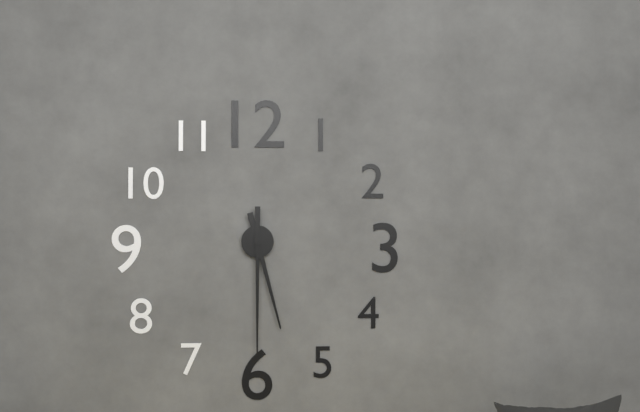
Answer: 5.30
